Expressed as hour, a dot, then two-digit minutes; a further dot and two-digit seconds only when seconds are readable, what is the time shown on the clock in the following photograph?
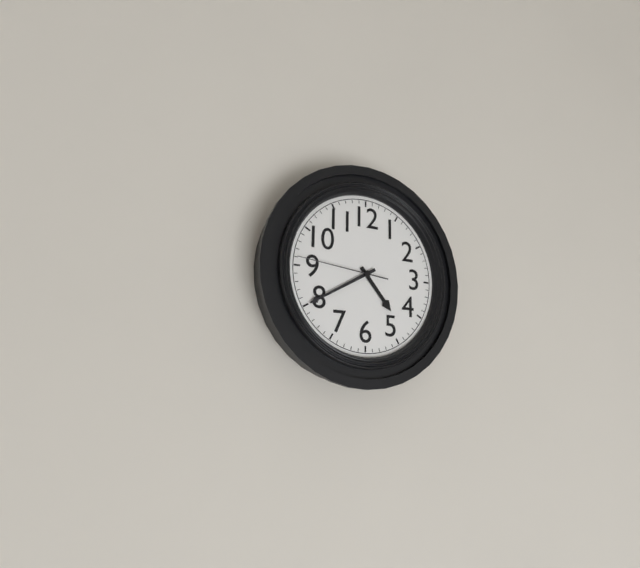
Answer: 4.40.46
